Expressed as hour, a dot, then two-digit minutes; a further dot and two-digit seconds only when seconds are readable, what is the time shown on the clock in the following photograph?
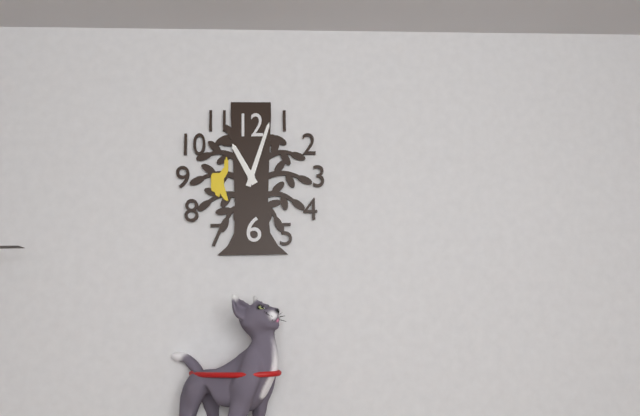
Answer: 11.03
